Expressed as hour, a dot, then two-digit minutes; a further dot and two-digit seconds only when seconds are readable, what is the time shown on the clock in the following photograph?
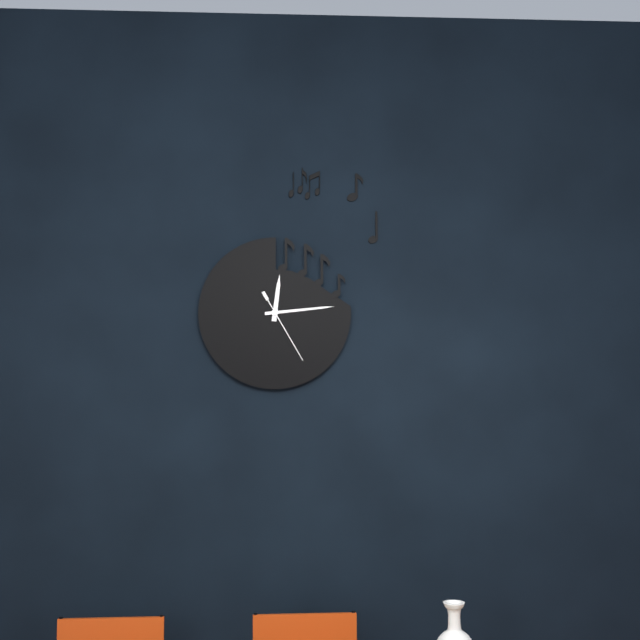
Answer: 12.14.25
